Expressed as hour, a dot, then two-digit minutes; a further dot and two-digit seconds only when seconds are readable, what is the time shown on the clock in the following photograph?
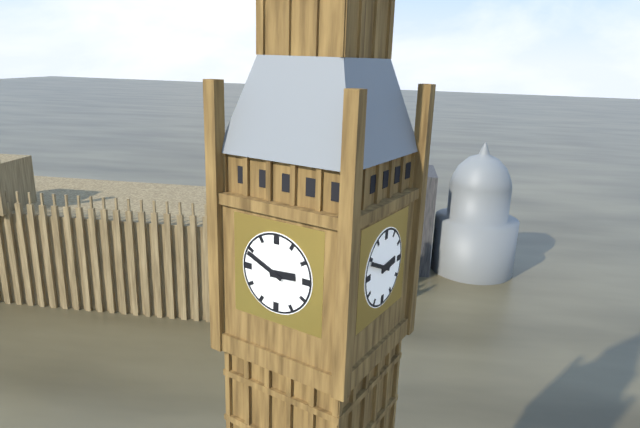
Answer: 2.49
